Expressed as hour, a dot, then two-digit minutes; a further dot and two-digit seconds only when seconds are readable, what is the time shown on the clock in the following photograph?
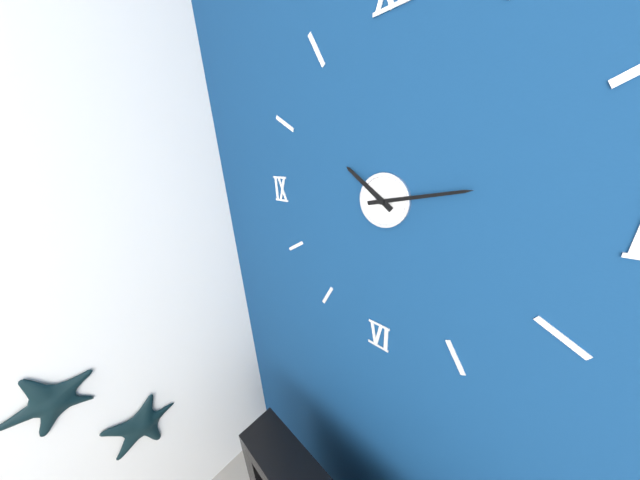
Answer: 10.13
